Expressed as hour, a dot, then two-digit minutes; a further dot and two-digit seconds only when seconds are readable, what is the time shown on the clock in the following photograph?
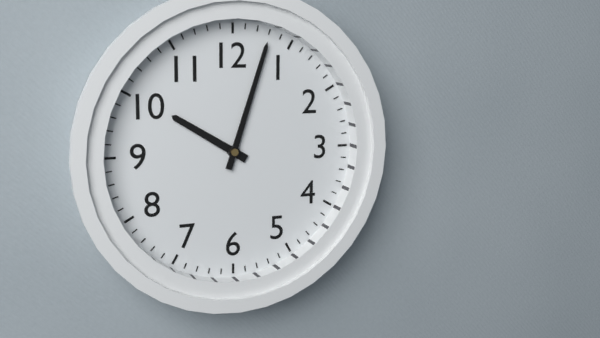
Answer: 10.03
